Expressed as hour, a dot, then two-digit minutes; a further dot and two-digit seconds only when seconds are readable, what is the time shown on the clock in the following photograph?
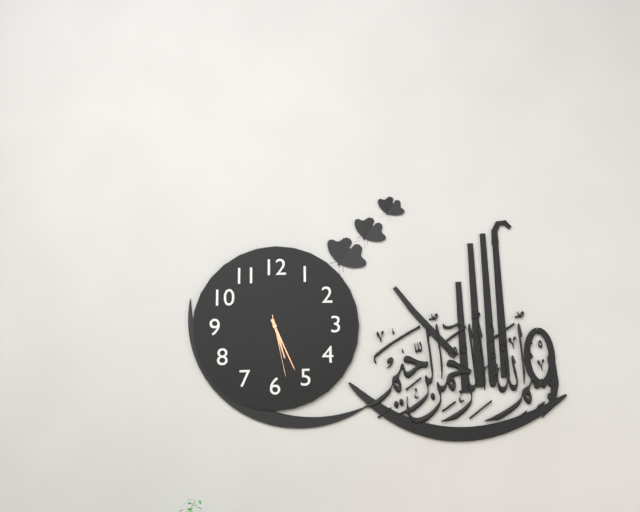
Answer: 5.26.28
